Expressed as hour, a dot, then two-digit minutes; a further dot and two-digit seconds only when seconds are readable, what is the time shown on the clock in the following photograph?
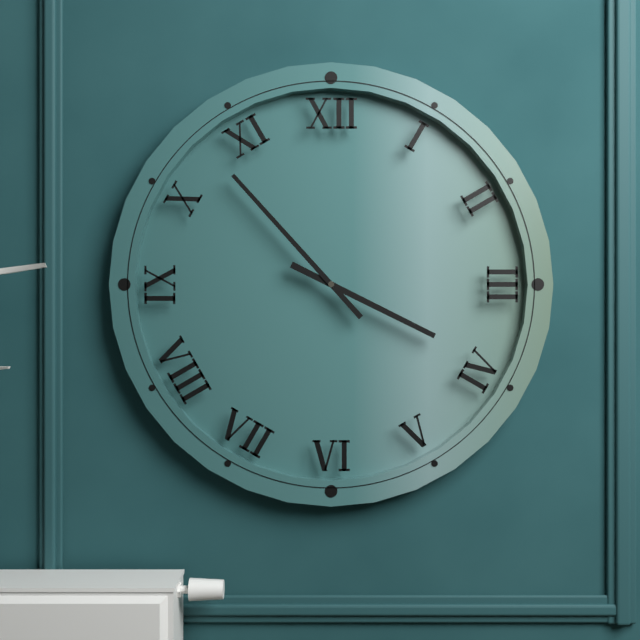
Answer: 3.53
